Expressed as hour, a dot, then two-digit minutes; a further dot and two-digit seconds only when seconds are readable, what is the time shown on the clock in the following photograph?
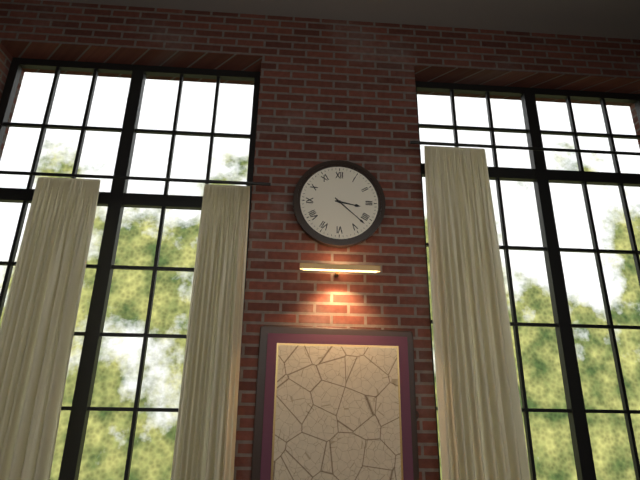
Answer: 3.22
